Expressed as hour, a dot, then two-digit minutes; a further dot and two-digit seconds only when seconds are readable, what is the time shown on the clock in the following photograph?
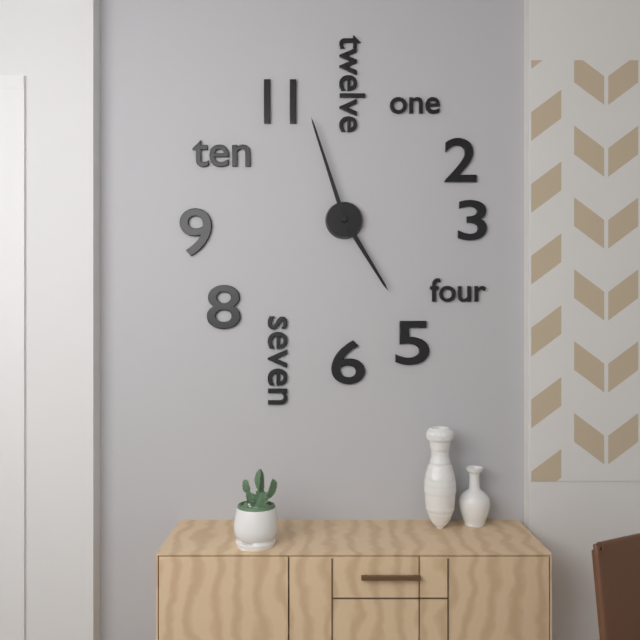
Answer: 4.57
